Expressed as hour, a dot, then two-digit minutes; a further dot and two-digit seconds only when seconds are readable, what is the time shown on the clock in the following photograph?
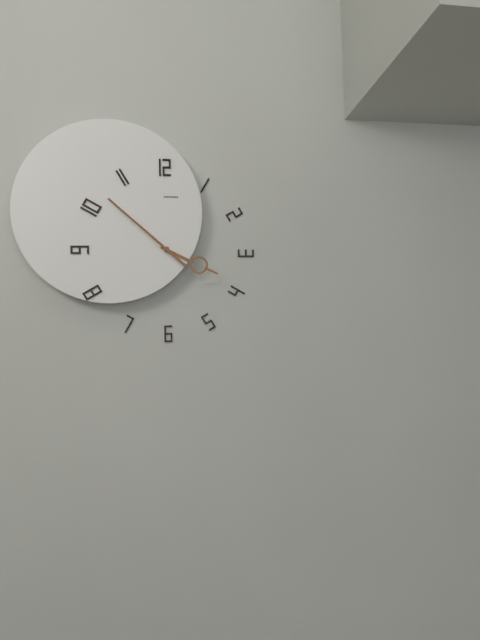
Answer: 3.52
